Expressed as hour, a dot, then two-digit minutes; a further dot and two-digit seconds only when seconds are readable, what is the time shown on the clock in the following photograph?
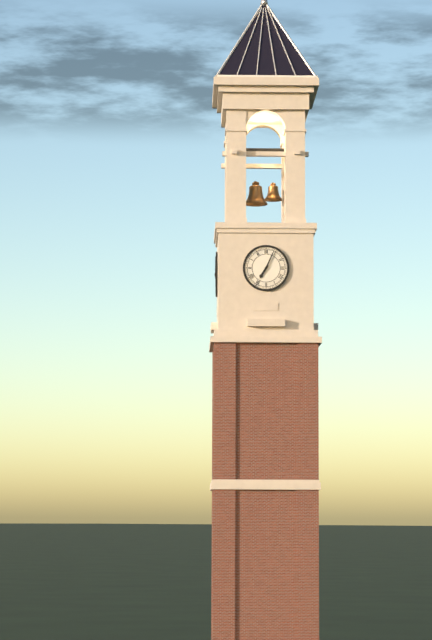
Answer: 7.04
